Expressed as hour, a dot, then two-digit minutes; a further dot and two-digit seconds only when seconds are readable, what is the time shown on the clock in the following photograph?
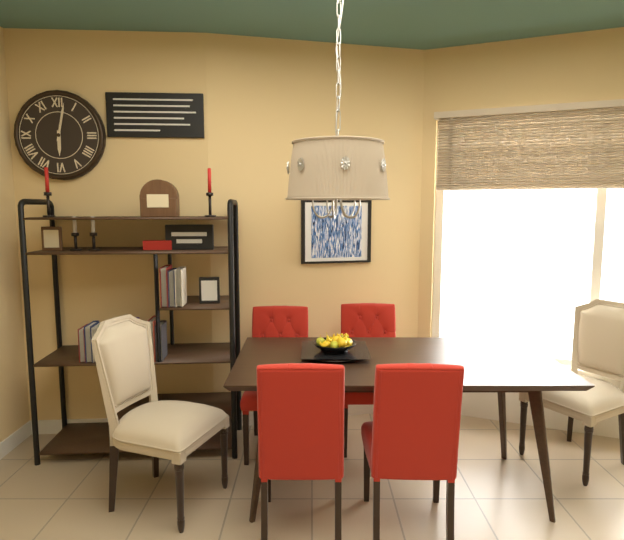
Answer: 6.02
